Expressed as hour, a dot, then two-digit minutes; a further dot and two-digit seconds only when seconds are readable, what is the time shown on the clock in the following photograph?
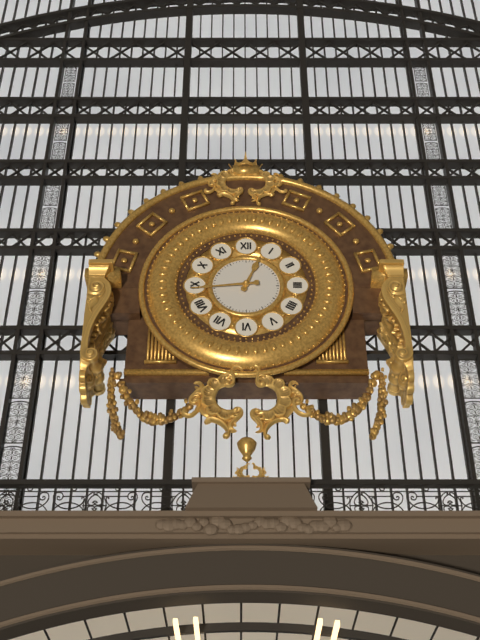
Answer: 12.44
